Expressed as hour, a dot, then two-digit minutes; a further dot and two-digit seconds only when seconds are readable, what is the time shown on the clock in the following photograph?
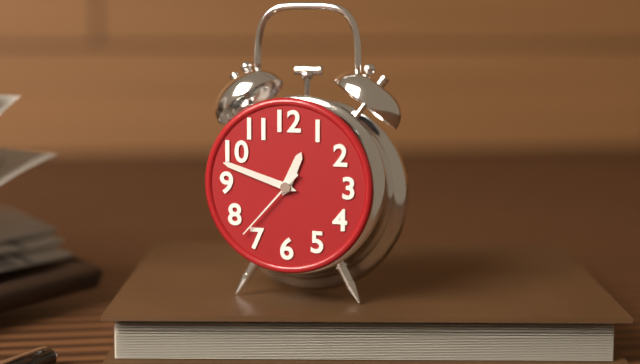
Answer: 12.48.37
